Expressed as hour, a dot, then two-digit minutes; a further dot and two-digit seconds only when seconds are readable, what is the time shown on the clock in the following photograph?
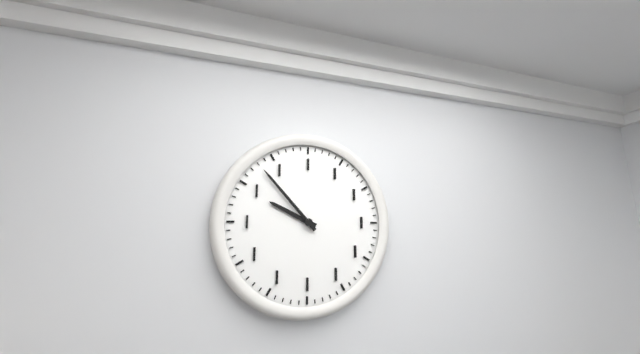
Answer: 9.53
